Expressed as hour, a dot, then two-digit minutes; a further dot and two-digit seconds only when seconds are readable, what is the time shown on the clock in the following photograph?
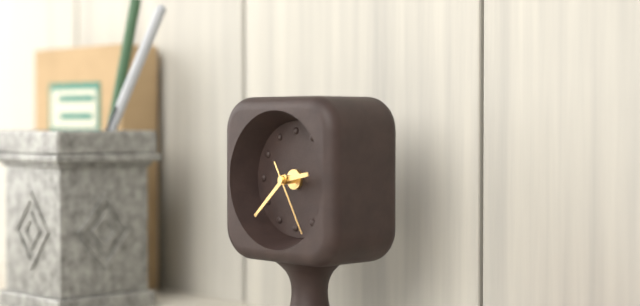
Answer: 2.38.25
